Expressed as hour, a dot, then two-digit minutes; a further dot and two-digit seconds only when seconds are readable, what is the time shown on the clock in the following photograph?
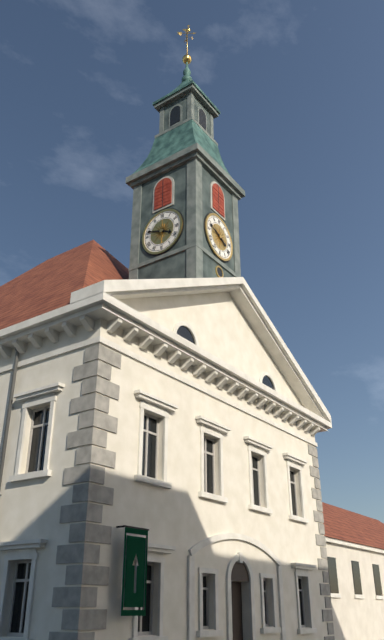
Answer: 3.48
